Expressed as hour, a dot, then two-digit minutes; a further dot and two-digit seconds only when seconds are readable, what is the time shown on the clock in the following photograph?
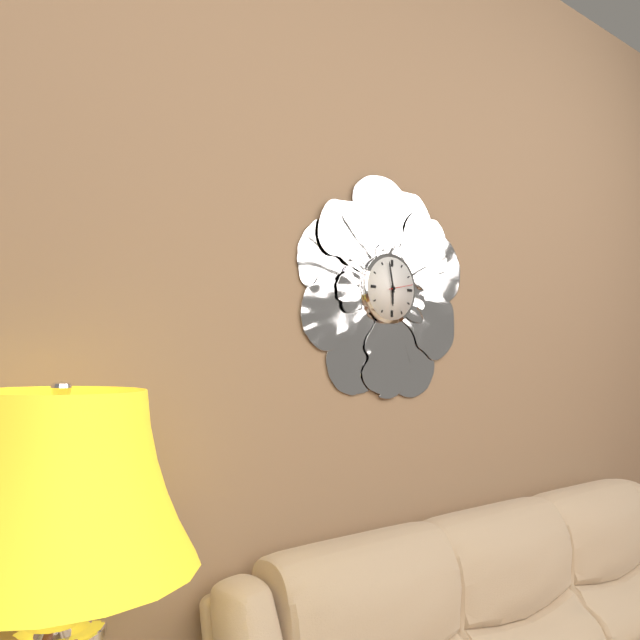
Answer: 5.58
